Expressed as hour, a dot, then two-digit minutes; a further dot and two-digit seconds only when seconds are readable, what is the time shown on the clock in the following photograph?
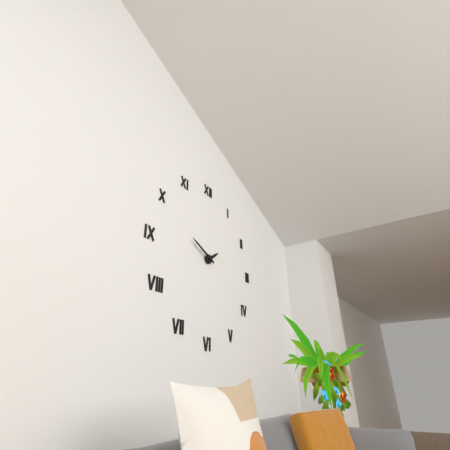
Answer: 1.49
